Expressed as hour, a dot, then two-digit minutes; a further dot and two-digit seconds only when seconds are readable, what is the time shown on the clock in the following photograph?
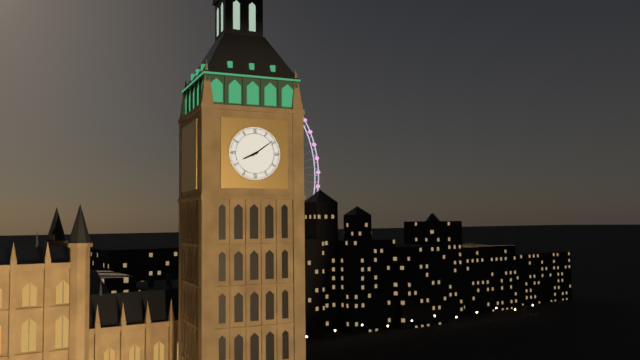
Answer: 8.09
